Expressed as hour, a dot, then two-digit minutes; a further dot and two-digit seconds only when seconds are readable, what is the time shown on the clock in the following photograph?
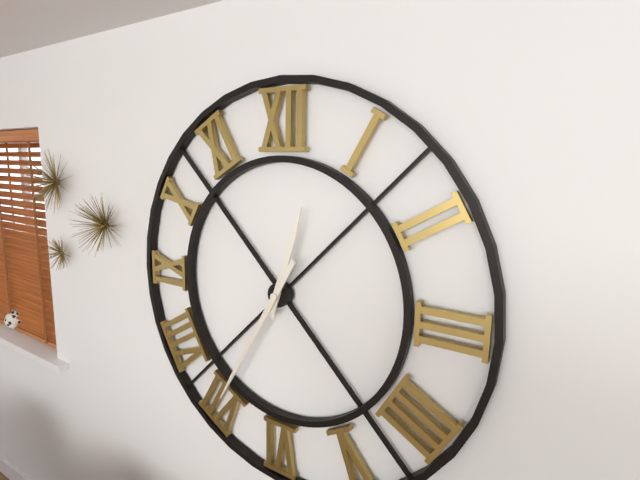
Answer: 12.35
